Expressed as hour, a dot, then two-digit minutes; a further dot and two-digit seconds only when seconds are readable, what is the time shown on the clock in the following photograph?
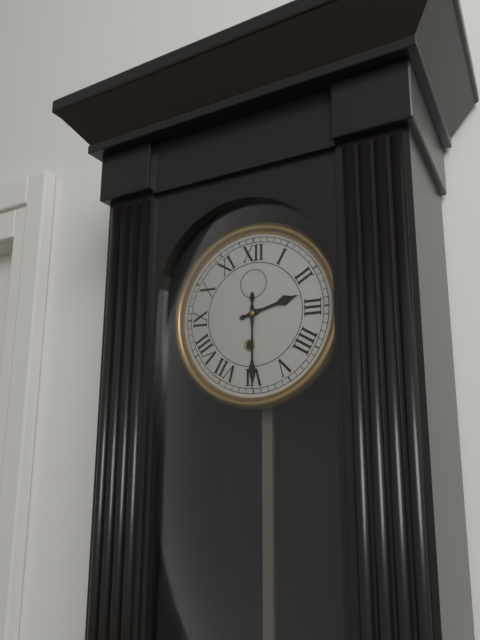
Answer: 2.30
